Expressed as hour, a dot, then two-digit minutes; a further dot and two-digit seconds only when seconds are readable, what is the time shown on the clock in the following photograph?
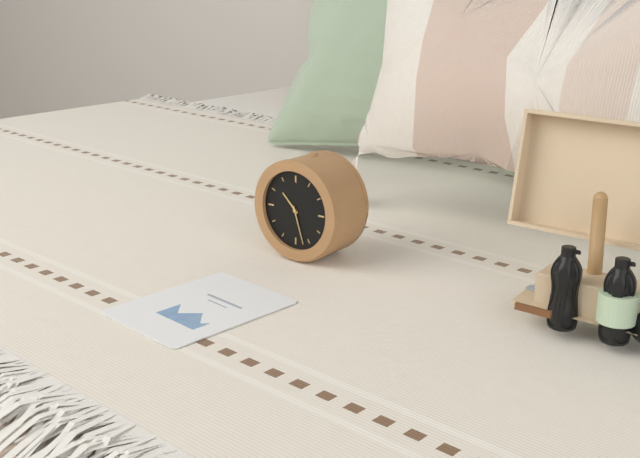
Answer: 10.27
